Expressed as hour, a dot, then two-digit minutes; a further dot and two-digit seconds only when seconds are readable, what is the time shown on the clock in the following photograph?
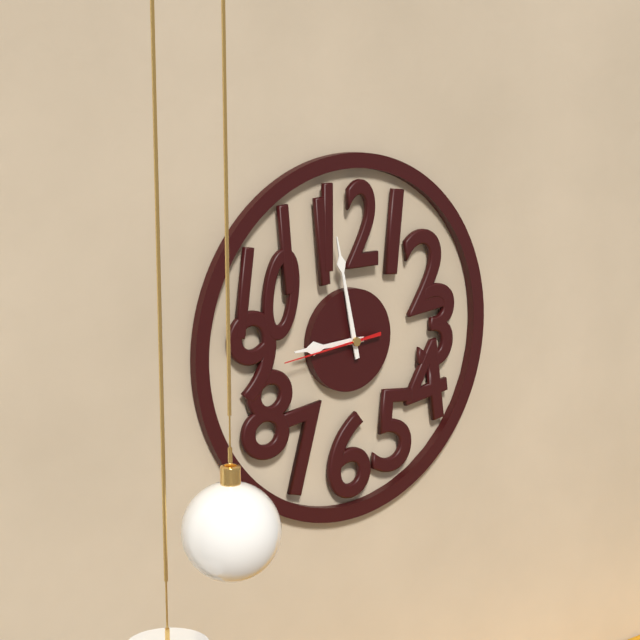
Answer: 8.58.44
